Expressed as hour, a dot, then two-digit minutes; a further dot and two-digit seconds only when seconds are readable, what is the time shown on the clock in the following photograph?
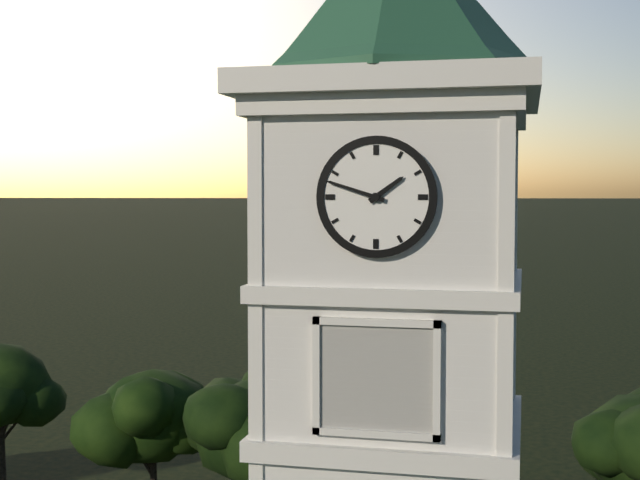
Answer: 1.48
